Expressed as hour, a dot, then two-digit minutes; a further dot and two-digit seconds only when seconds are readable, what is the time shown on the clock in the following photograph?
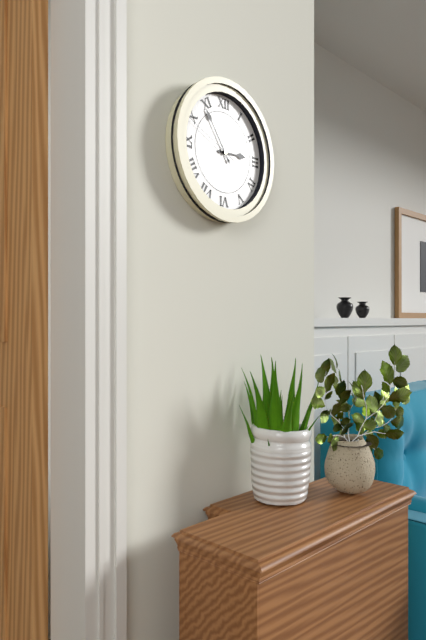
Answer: 2.54.49
